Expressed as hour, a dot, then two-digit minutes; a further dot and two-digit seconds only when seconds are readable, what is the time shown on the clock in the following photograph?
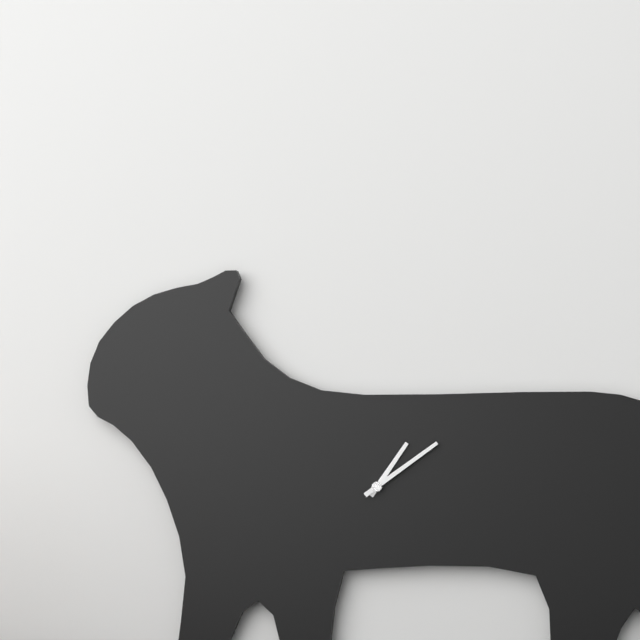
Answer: 1.09
